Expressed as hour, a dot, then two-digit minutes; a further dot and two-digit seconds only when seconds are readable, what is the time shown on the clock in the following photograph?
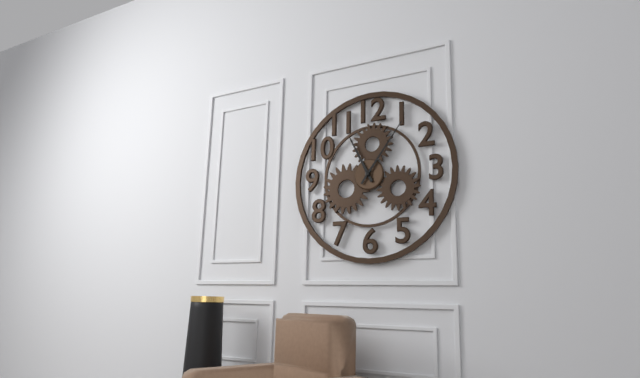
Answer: 11.06
